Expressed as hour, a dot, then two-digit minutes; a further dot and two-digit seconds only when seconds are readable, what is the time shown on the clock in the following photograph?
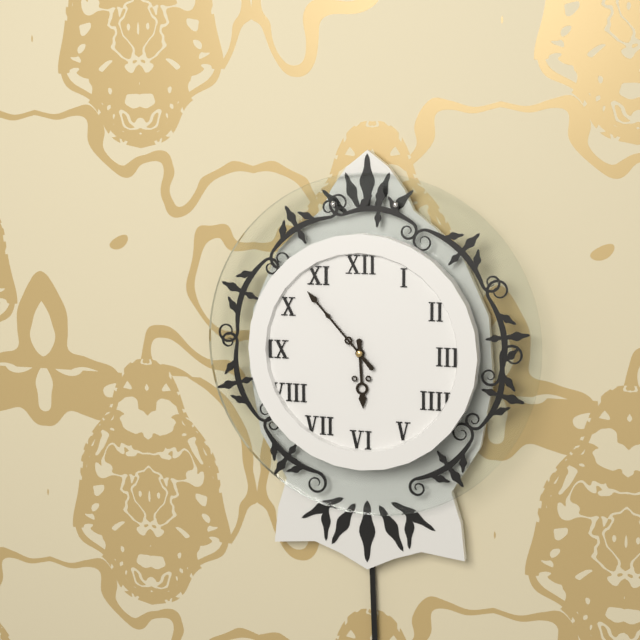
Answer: 5.53
